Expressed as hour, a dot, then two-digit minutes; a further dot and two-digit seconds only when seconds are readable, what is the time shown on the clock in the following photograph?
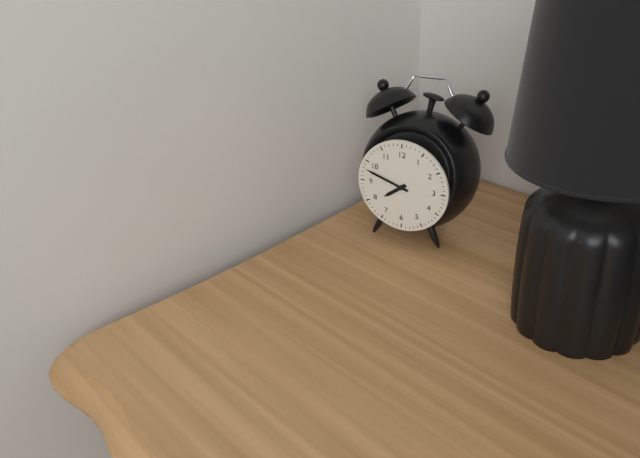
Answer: 7.48
